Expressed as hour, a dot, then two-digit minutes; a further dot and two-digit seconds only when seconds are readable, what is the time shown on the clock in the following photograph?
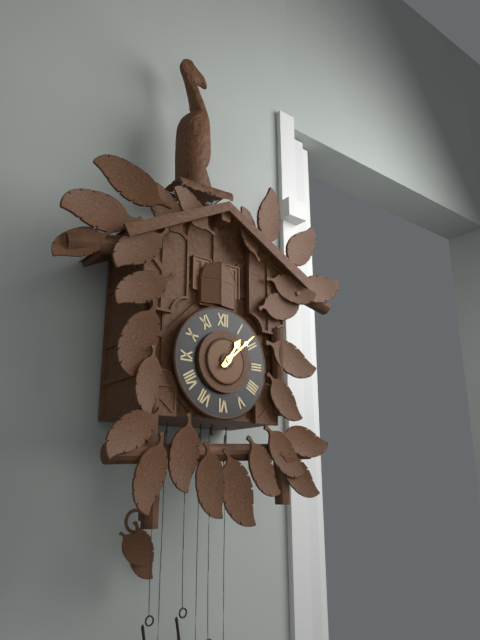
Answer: 1.08
